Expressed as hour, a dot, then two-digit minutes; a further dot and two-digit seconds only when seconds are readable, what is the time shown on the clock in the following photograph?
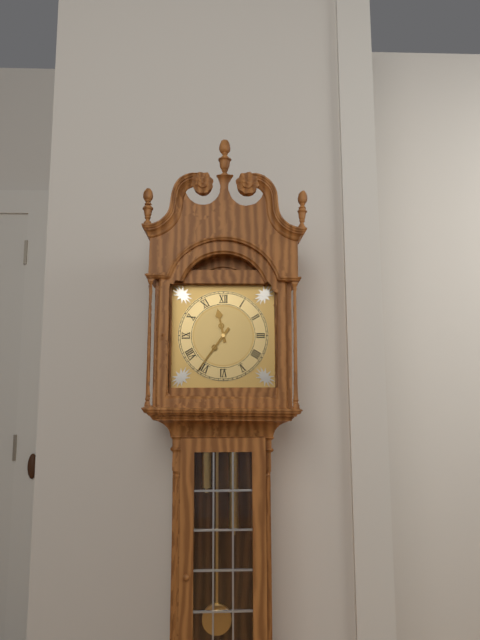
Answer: 11.36
